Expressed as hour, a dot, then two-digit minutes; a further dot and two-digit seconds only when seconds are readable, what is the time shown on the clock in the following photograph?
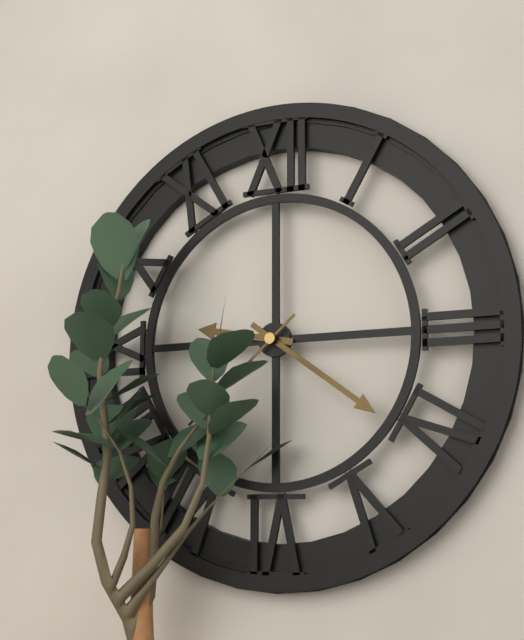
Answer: 9.21
